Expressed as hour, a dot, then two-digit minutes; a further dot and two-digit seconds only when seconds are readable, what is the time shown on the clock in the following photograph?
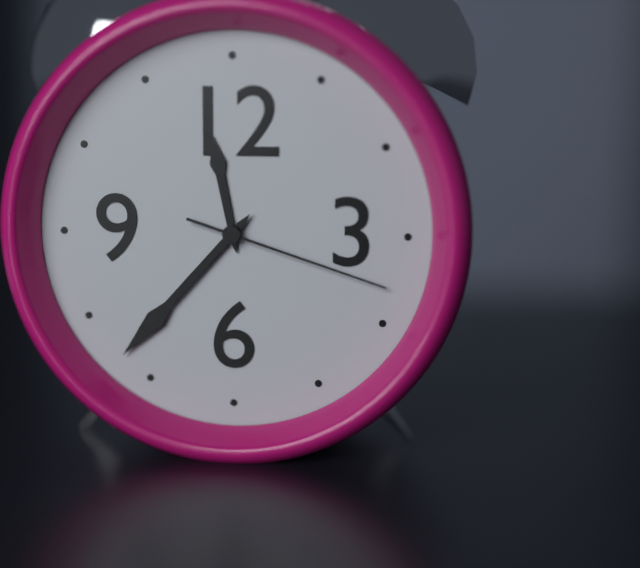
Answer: 11.37.18
